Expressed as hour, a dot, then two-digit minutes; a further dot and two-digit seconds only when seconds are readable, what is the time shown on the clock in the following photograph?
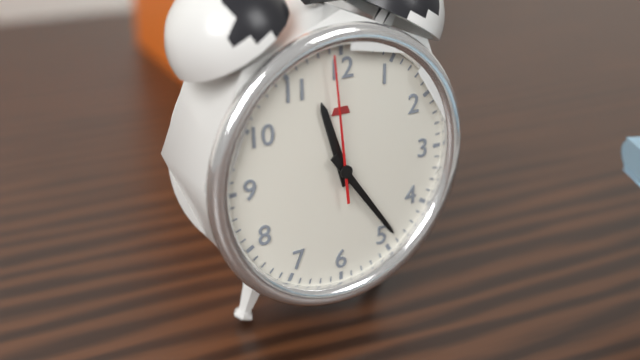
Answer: 11.24.59
